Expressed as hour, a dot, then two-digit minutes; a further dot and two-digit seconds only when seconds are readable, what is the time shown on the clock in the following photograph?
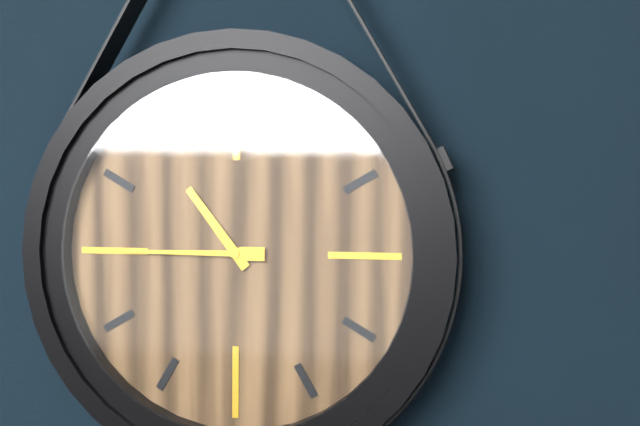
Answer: 10.45
